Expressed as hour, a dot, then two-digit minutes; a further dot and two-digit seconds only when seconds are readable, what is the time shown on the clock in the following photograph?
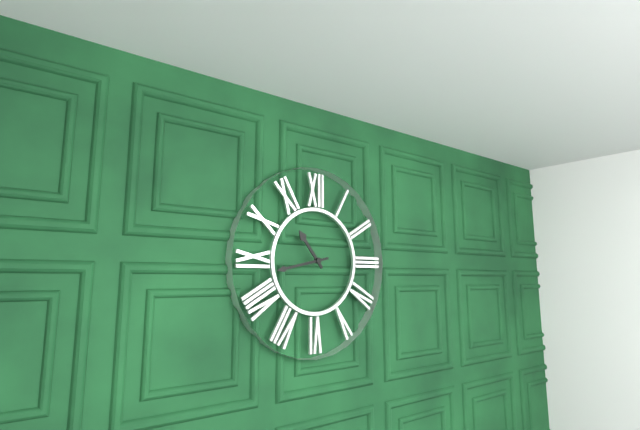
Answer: 10.43
